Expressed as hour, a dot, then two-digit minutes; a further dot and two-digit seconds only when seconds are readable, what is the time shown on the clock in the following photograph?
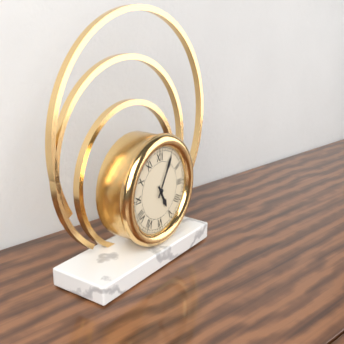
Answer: 5.05
